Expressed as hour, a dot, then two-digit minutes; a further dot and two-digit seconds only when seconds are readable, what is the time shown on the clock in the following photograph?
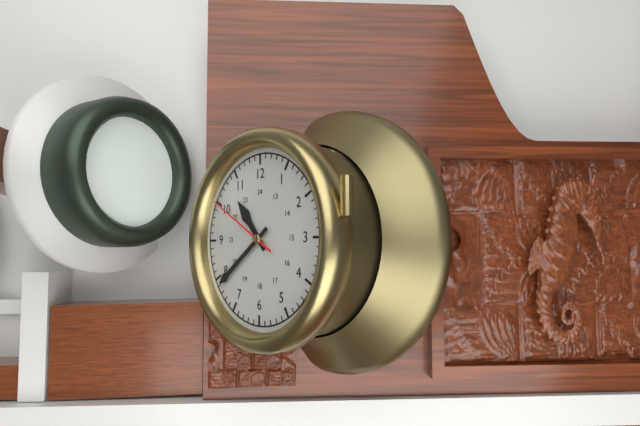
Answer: 10.39.50
